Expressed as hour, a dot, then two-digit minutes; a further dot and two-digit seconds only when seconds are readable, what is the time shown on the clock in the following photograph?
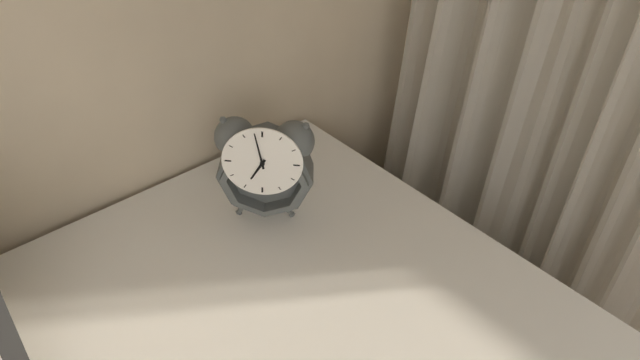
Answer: 6.58
